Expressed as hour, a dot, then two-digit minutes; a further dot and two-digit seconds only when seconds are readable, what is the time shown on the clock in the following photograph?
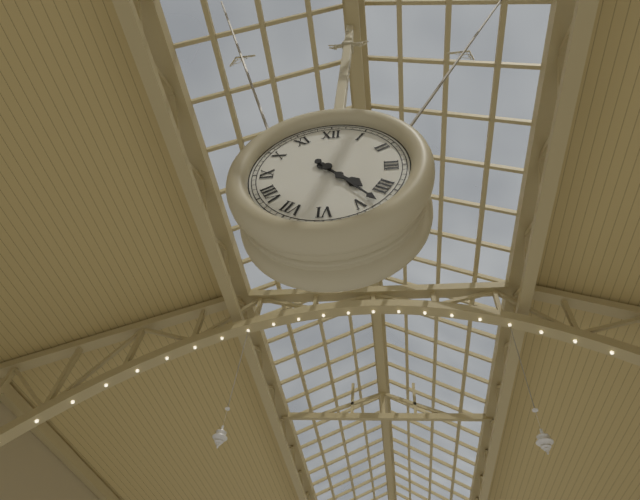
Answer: 4.23
